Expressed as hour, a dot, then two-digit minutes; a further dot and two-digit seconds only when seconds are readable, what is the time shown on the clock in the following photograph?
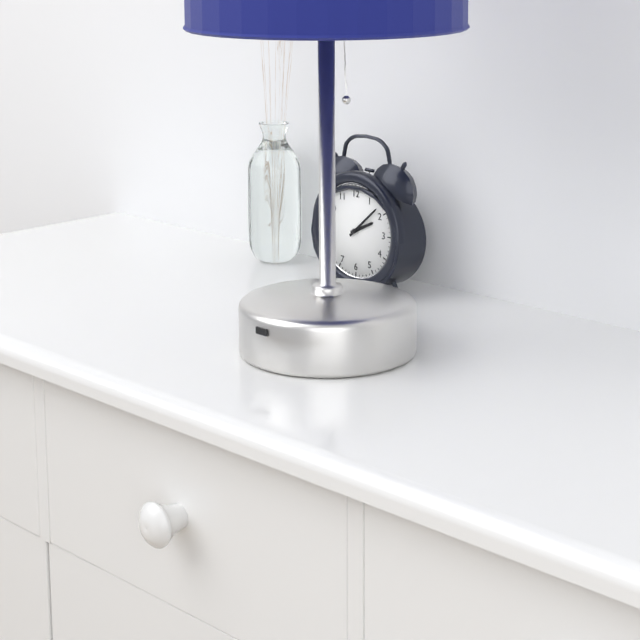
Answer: 2.08
